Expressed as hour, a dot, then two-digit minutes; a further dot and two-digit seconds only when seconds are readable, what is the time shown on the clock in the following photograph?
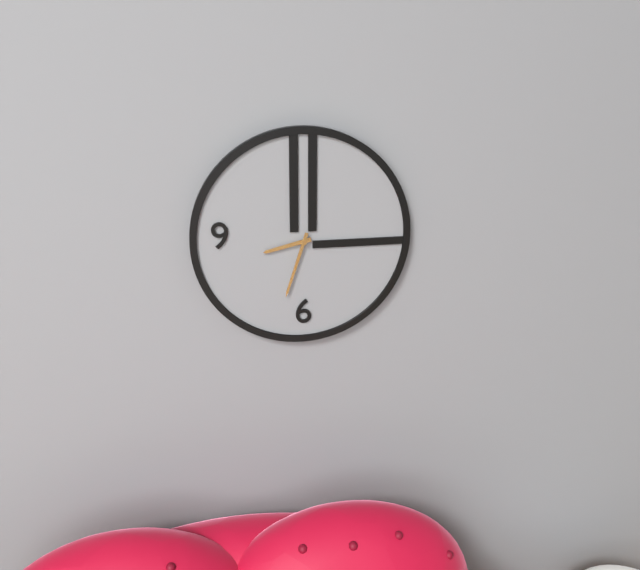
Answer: 8.33
